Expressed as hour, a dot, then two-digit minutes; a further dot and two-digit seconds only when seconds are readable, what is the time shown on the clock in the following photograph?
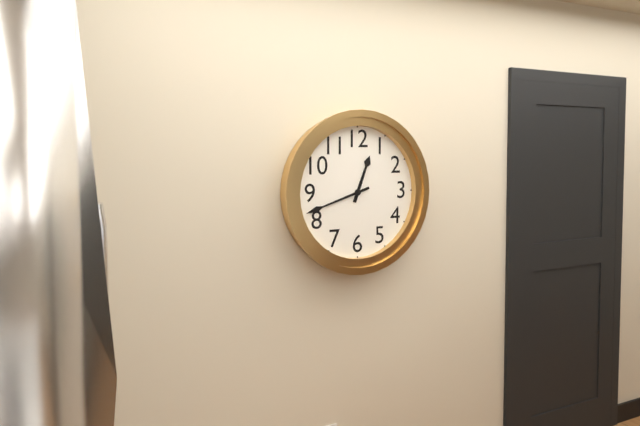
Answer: 12.42
